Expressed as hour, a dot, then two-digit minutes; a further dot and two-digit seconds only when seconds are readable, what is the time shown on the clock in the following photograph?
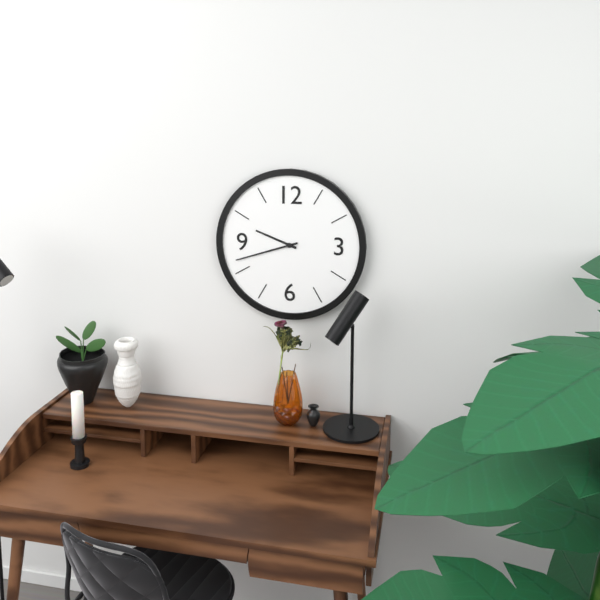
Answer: 9.42
